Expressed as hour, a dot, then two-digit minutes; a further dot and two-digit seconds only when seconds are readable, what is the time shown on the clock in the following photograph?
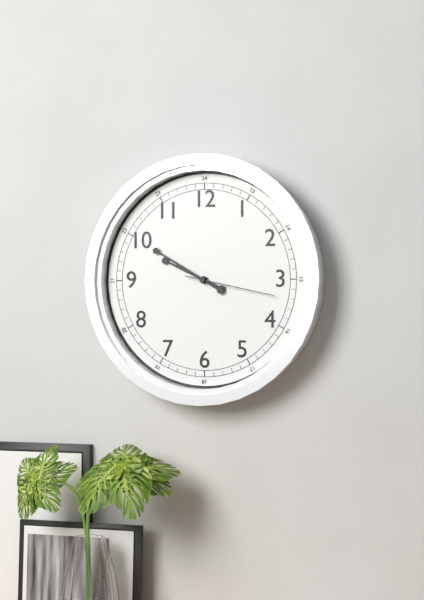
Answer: 9.50.17
